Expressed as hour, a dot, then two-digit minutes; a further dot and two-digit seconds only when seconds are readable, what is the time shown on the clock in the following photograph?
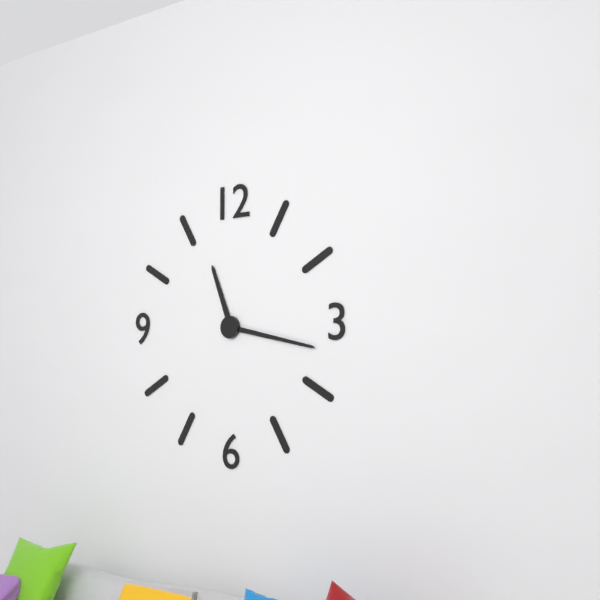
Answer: 11.17
